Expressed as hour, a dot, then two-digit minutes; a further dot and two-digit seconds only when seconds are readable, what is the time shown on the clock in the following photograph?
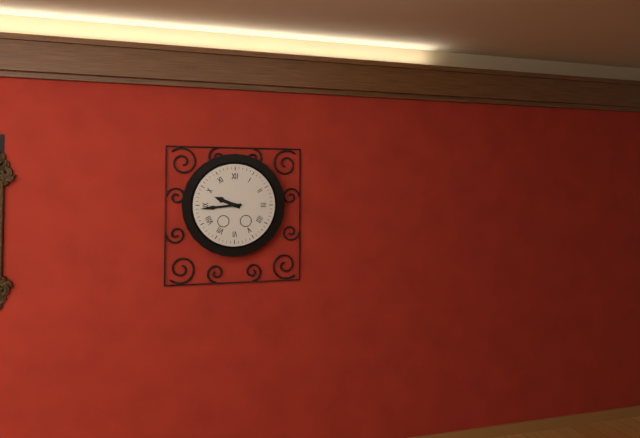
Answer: 9.44
